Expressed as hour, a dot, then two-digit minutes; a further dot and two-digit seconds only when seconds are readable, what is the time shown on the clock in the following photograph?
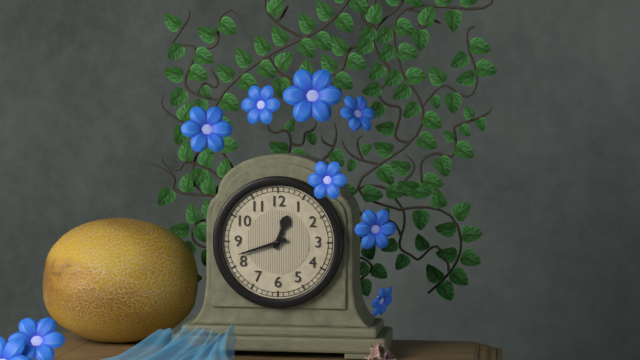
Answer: 12.42
